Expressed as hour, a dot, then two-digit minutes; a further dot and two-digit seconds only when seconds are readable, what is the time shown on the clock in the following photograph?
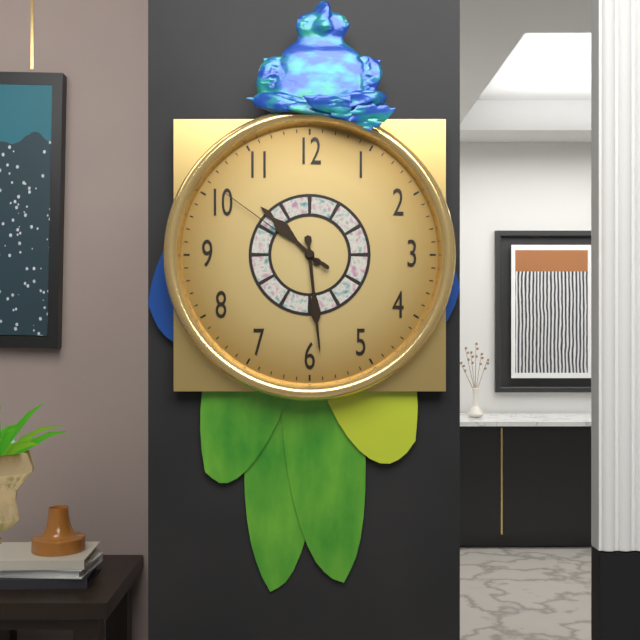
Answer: 10.29.51
